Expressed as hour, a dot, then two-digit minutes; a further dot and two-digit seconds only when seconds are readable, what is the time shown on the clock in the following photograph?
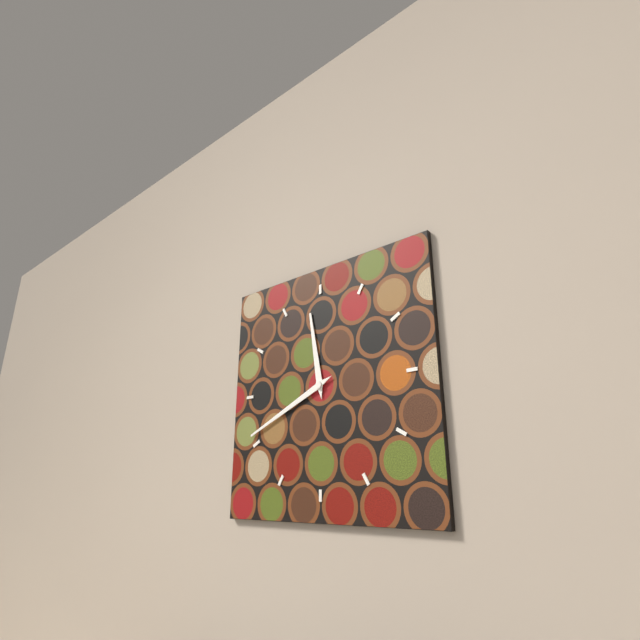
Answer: 11.41
